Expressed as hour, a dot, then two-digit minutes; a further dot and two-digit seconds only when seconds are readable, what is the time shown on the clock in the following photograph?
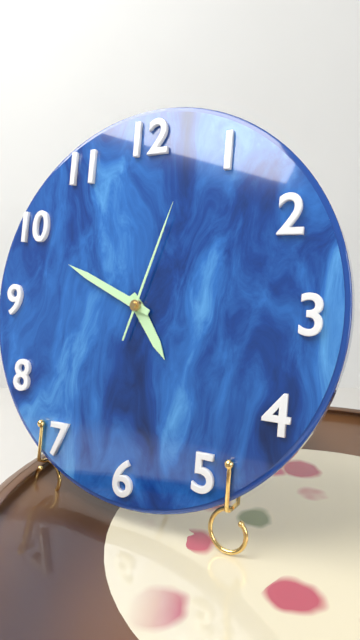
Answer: 4.49.03
